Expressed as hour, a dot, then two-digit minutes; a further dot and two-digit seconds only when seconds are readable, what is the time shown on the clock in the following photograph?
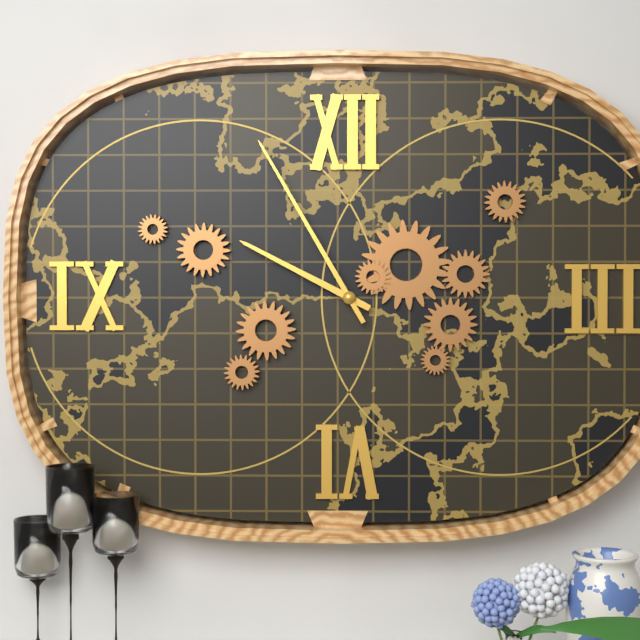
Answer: 9.55
